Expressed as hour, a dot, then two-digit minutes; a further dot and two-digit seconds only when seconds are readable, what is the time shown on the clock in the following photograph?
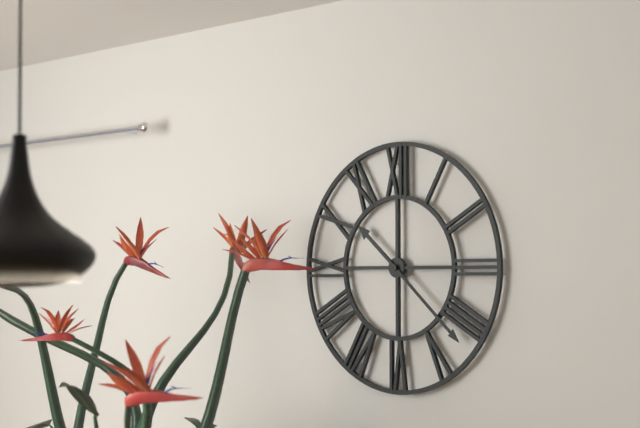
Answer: 10.22
